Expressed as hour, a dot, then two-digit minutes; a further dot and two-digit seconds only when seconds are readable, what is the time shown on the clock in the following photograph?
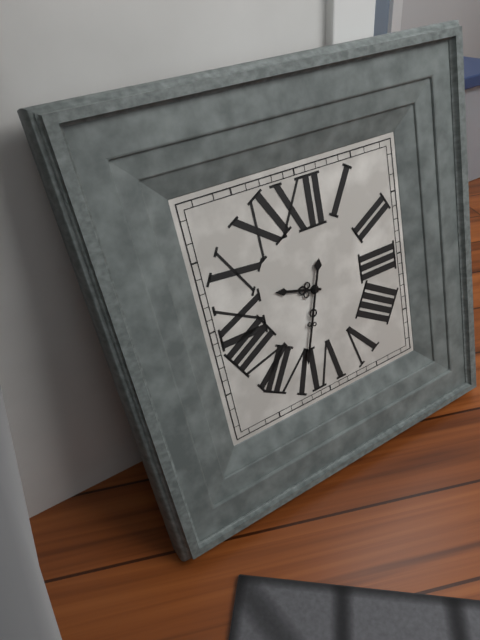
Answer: 9.33
